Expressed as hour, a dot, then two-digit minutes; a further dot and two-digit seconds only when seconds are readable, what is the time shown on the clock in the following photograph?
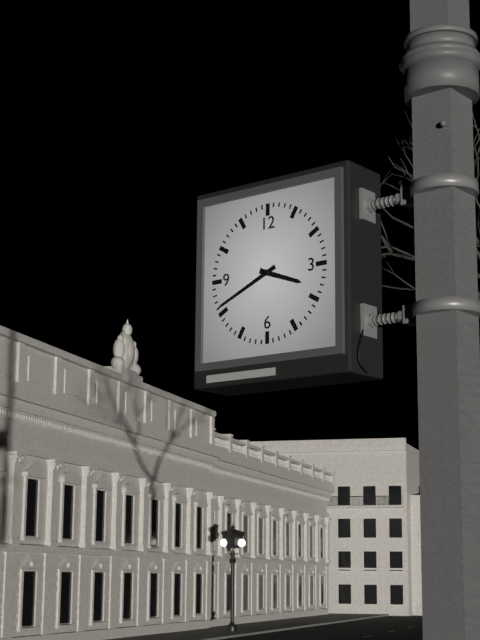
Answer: 3.41
